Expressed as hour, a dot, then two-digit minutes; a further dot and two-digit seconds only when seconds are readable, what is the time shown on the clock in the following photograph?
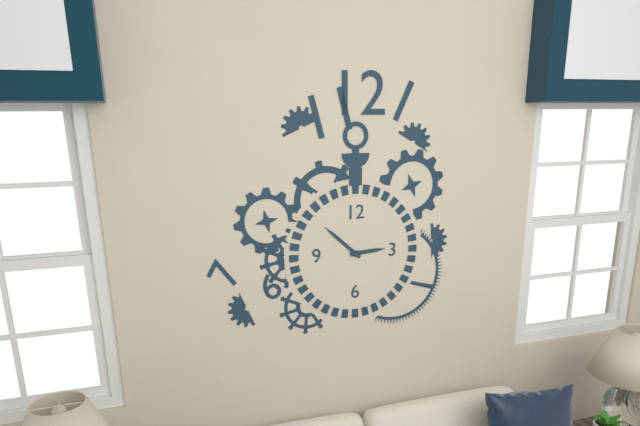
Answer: 2.52
